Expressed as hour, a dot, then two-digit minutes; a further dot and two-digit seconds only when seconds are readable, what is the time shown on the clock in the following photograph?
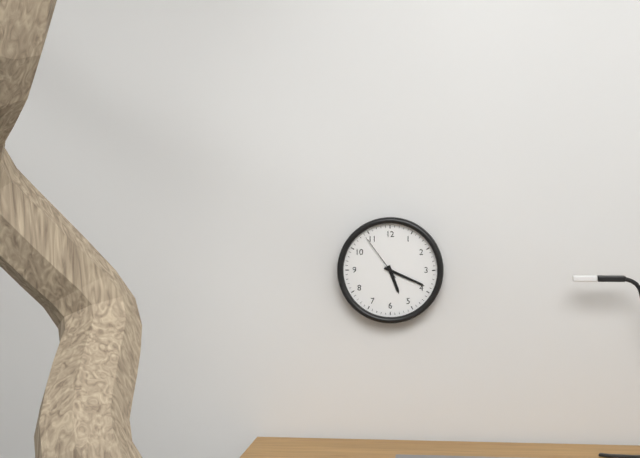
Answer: 5.19.54
